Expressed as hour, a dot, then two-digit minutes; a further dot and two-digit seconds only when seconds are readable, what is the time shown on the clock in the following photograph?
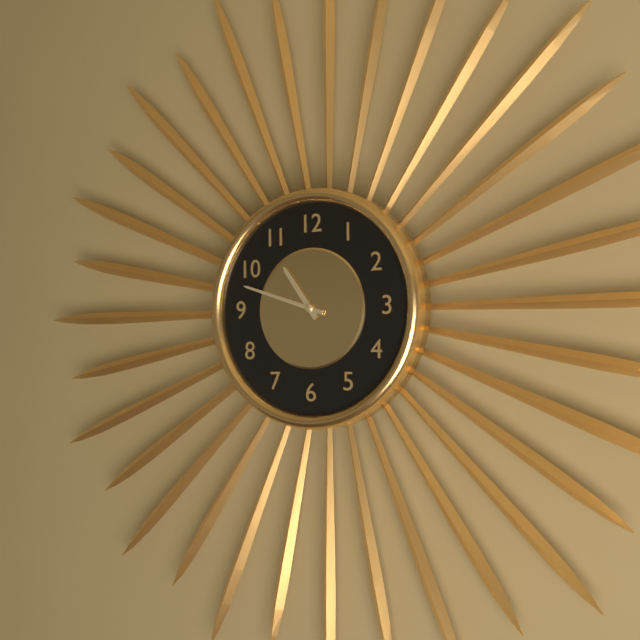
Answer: 10.48
